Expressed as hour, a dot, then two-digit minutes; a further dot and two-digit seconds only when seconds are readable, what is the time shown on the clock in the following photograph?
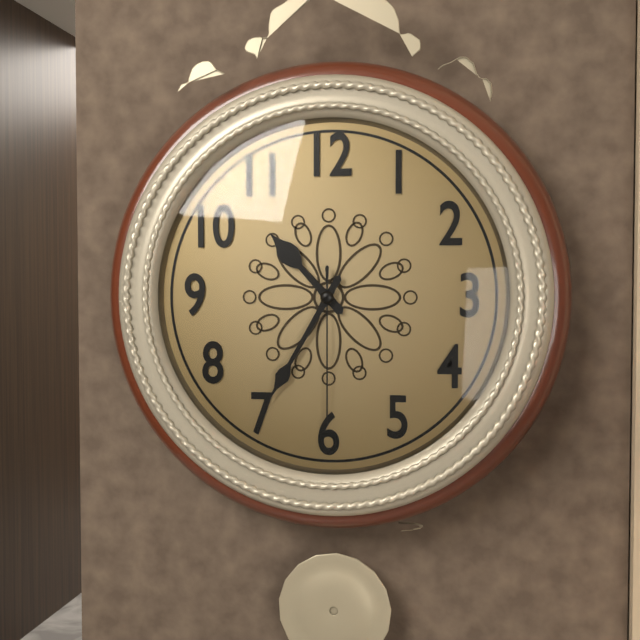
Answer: 10.35.30
